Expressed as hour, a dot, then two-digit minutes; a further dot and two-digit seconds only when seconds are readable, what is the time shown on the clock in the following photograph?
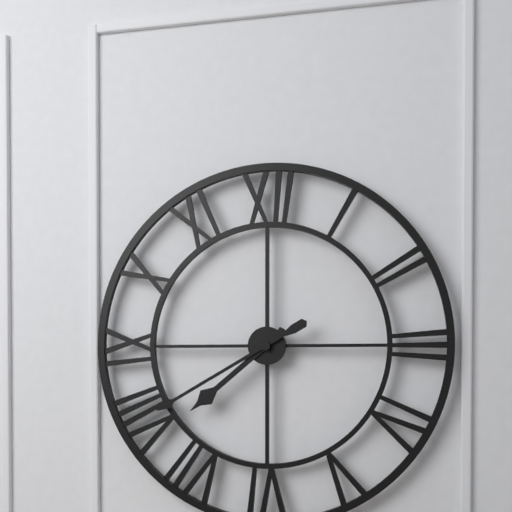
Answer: 7.40
